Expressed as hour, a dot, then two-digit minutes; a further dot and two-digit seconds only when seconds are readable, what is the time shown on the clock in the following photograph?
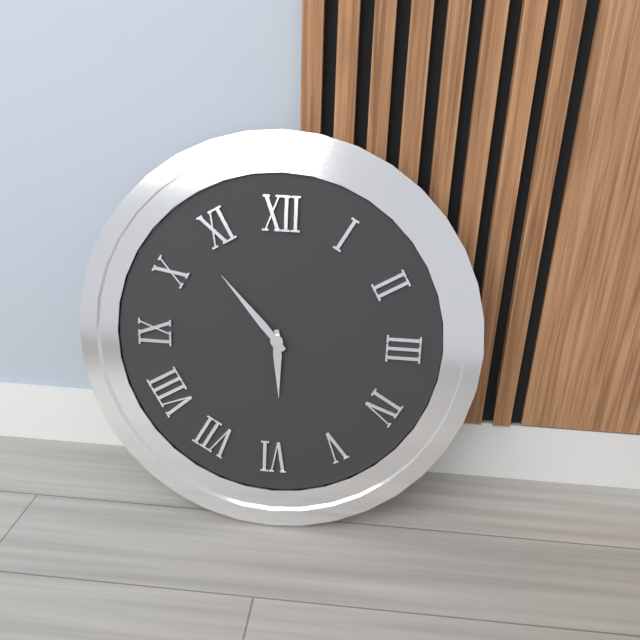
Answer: 5.53
